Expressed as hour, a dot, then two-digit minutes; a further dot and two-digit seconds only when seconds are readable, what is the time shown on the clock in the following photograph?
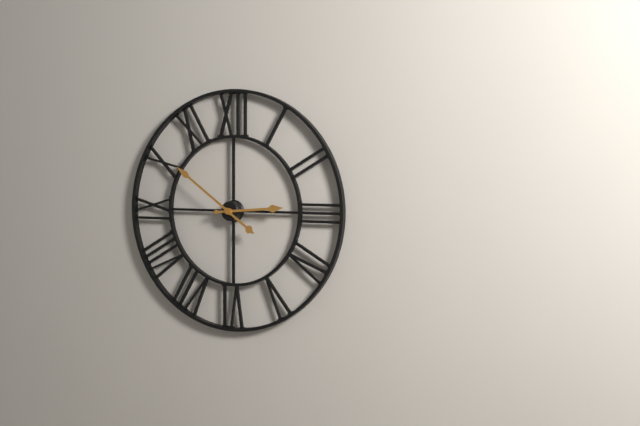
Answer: 2.51
